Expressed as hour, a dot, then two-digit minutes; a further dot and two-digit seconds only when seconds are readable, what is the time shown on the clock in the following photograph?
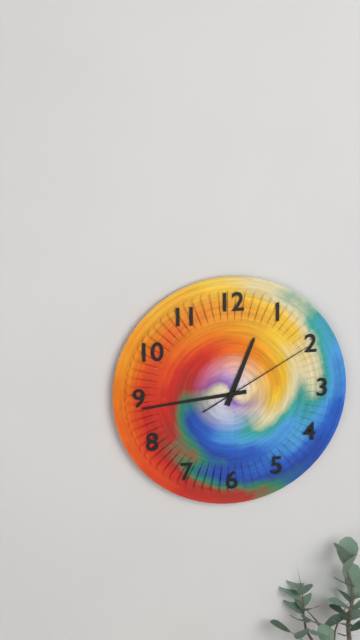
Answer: 12.44.10
